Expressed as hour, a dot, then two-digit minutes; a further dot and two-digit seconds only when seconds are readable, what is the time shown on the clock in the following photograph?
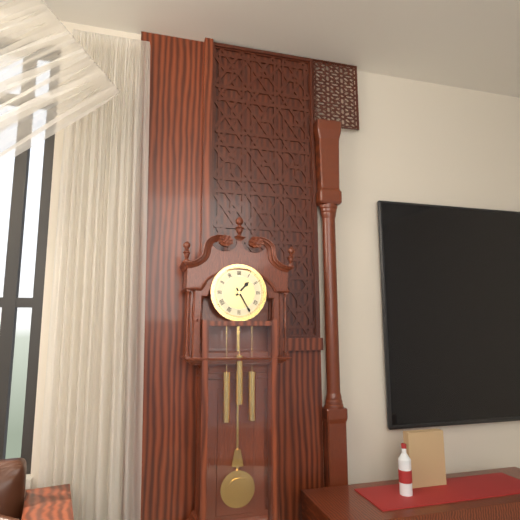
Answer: 1.25
